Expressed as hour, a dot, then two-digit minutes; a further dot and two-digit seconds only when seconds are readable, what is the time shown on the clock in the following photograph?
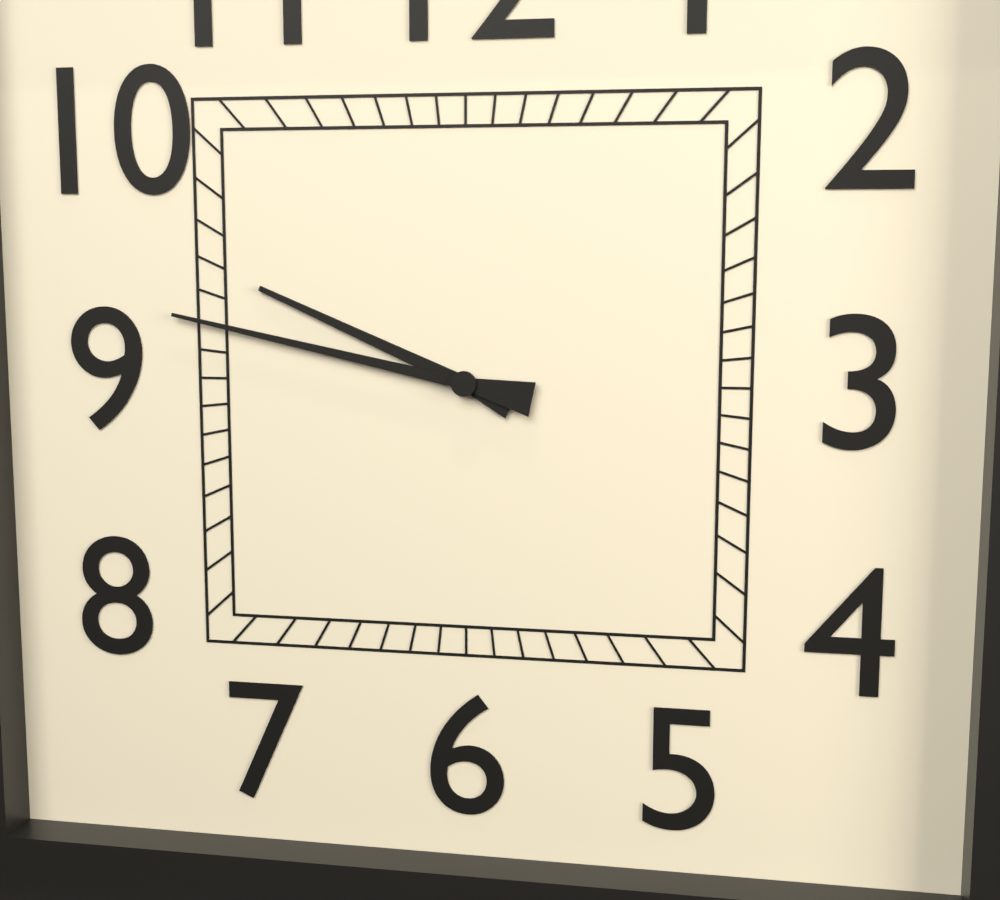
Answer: 9.47
